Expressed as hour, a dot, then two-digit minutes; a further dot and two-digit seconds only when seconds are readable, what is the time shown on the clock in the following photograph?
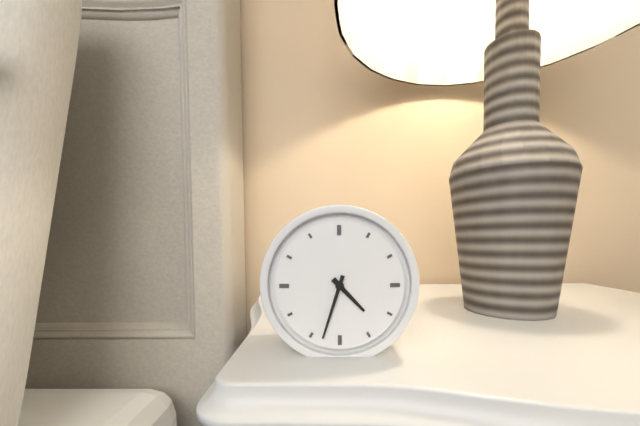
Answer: 4.33
